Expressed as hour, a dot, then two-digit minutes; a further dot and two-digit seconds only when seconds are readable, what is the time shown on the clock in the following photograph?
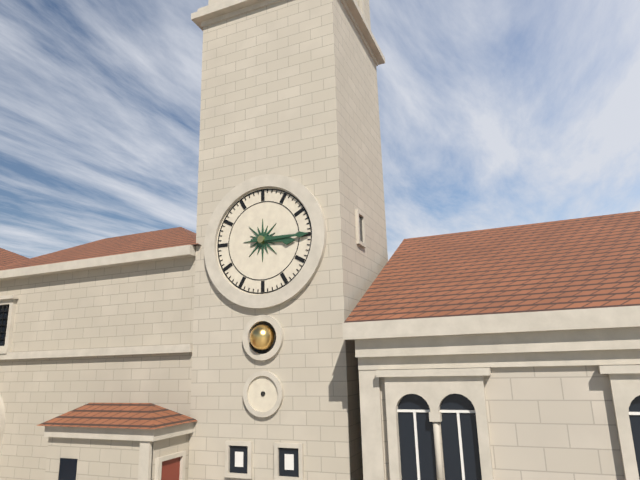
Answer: 3.15
